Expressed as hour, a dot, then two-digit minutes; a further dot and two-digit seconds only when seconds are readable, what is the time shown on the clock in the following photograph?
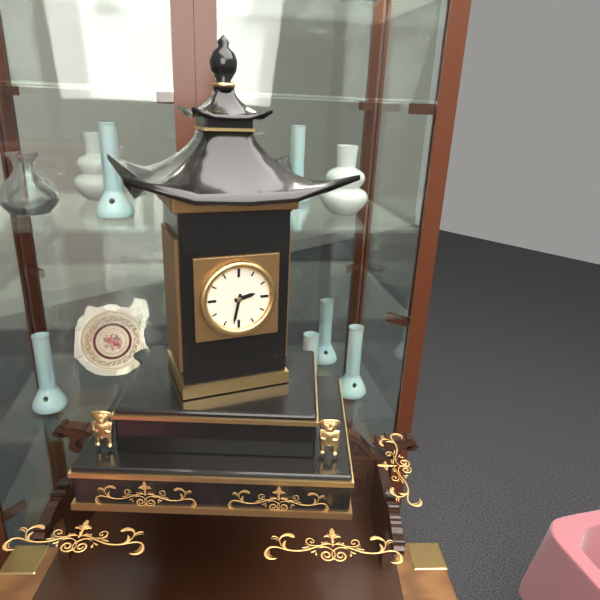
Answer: 2.32
